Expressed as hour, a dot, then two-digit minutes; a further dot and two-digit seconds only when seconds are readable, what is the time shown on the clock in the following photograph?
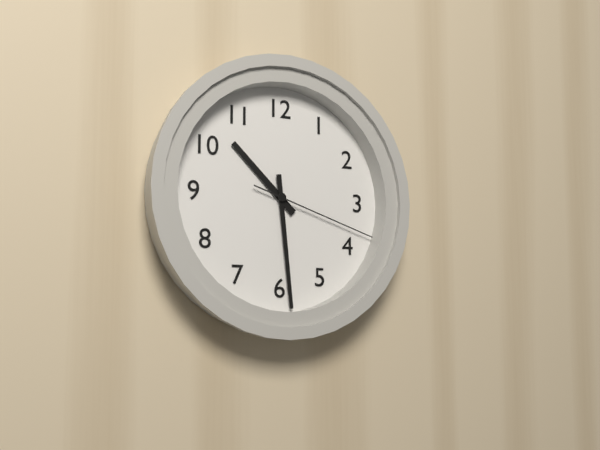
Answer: 10.29.18
